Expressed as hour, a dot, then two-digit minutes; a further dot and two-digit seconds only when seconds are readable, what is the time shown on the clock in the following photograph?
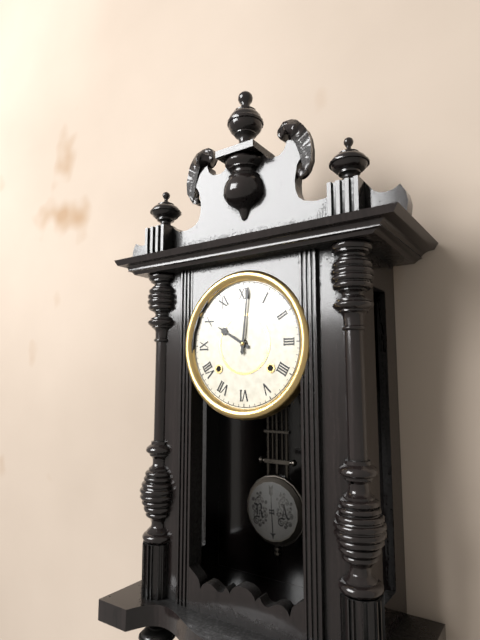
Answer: 10.01
